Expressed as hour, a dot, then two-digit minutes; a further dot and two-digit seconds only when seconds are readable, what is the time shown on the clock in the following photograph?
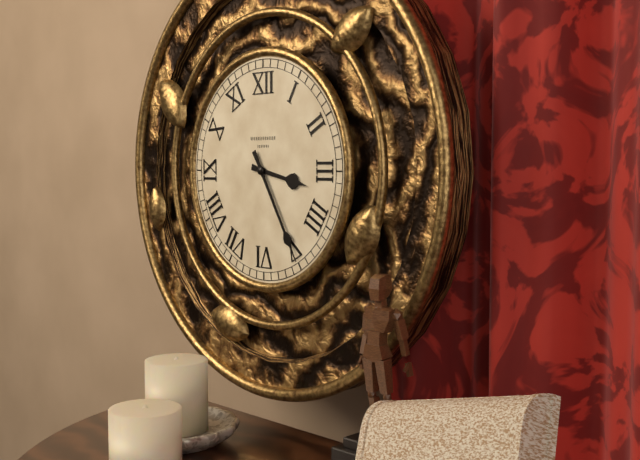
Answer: 3.25
